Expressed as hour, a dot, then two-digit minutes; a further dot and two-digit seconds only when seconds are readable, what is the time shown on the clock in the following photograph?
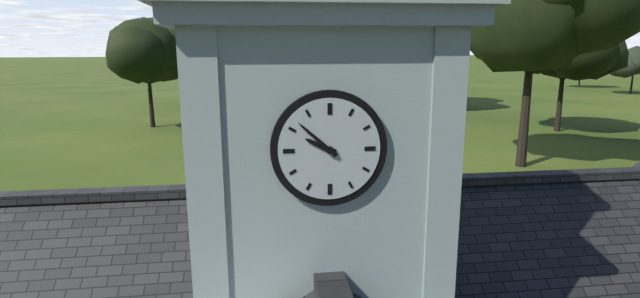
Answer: 9.52
